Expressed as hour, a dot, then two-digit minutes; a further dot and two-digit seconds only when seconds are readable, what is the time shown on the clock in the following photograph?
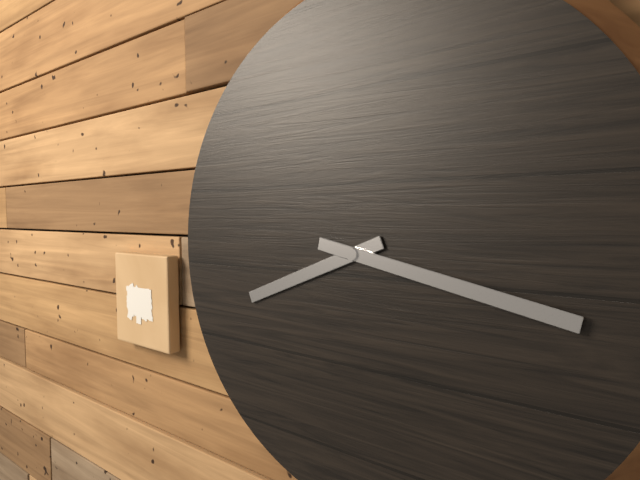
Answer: 8.17
